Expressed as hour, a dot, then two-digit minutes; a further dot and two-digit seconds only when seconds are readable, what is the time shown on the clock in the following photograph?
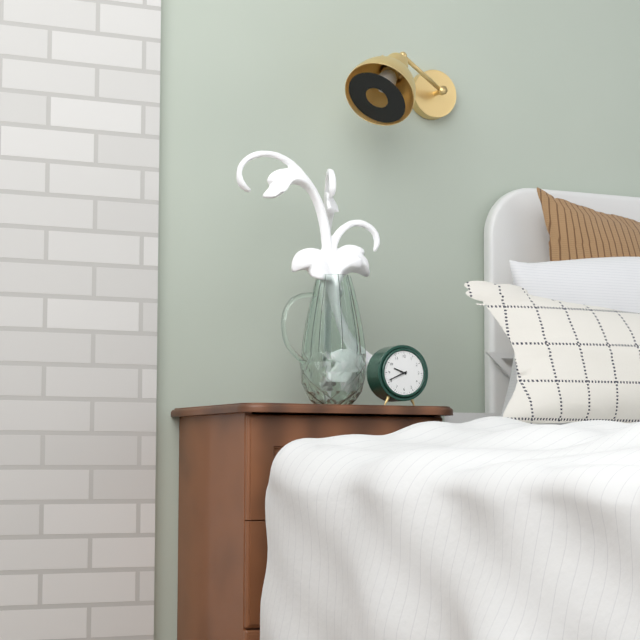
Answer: 9.41
